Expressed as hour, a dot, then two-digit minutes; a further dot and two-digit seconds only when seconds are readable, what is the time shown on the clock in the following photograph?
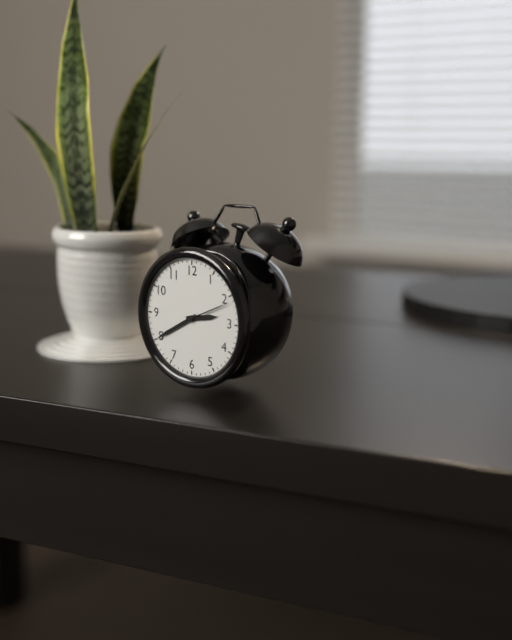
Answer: 2.40.11
